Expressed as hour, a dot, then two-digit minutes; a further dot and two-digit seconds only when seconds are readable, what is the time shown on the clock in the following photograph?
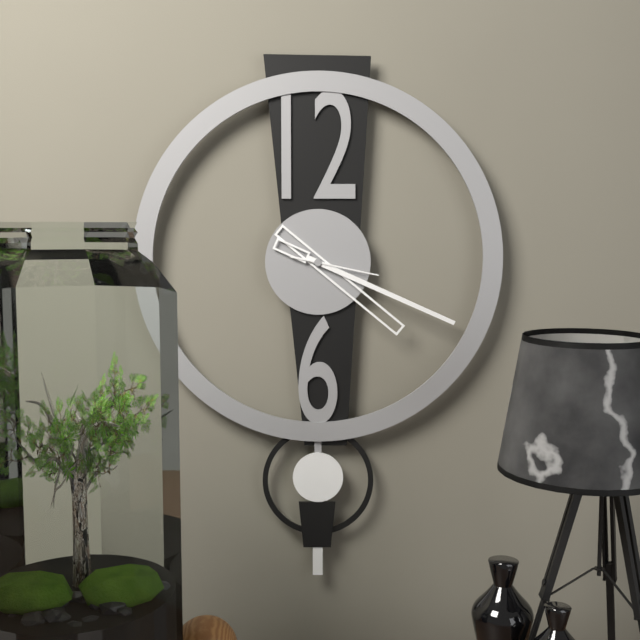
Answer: 4.19.17
